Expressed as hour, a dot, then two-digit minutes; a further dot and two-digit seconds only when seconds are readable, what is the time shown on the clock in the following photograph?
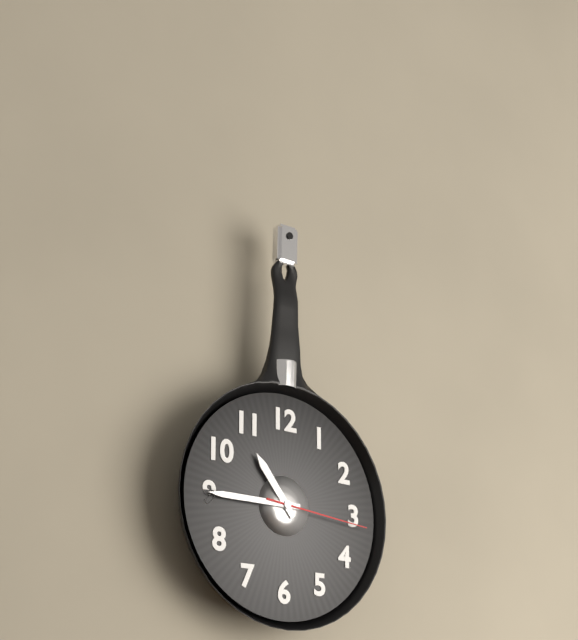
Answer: 10.45.16
